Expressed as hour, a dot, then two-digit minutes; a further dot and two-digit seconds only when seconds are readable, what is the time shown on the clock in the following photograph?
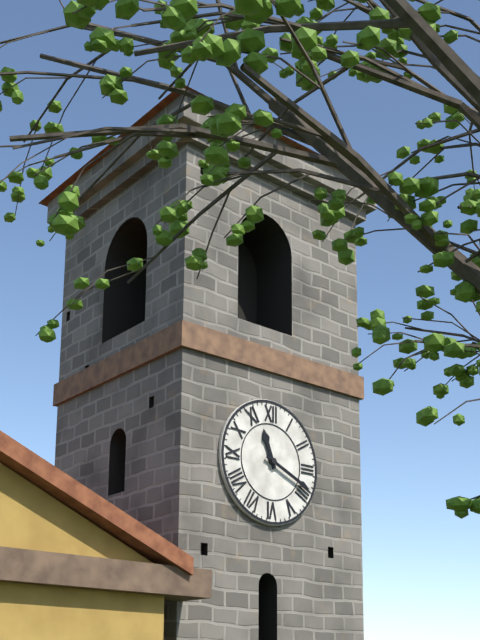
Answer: 11.19
